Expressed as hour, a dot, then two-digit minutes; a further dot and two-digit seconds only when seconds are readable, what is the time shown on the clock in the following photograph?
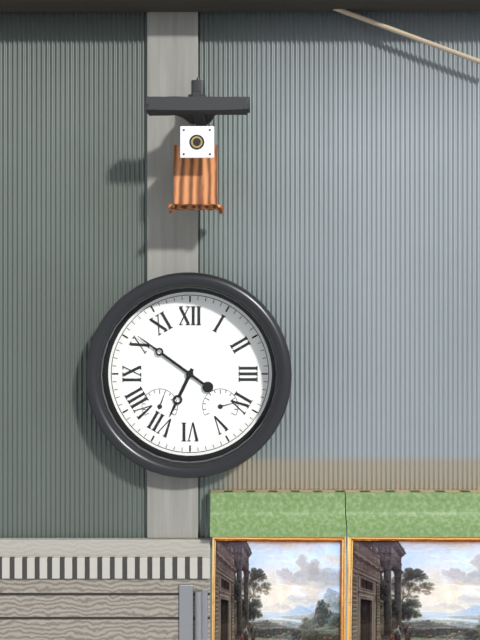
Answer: 6.51
